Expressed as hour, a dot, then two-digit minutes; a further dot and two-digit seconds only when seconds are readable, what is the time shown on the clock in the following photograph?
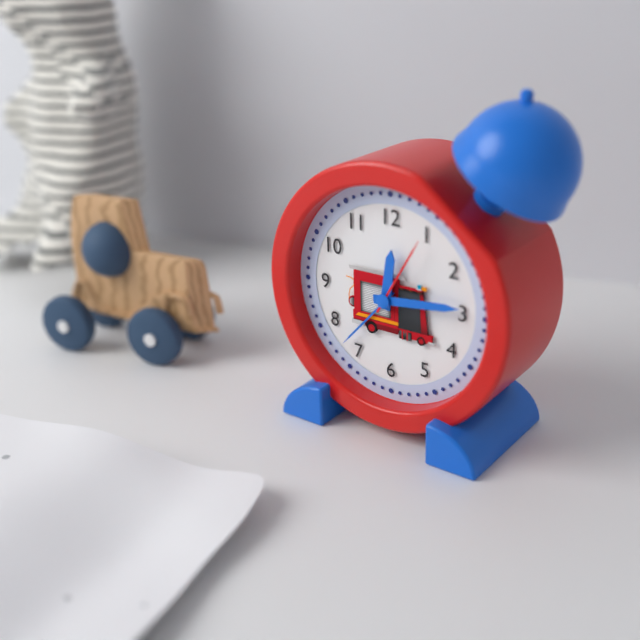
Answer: 12.14.05
